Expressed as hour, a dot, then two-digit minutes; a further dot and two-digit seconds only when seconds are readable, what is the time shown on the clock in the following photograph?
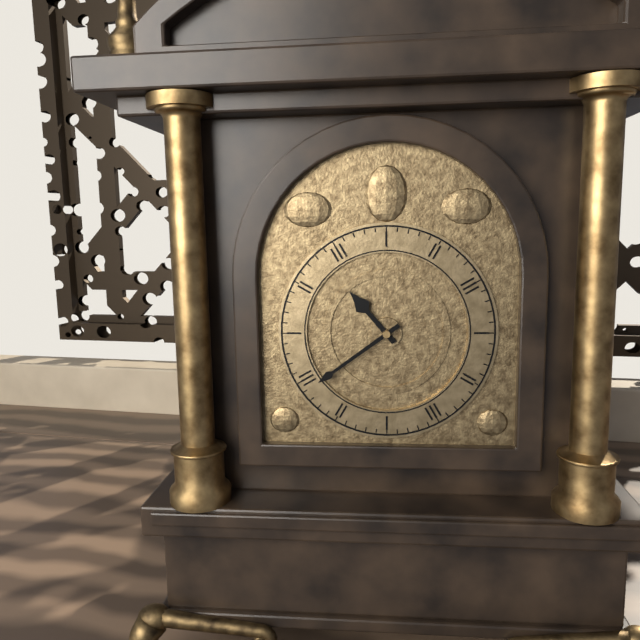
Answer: 10.39
